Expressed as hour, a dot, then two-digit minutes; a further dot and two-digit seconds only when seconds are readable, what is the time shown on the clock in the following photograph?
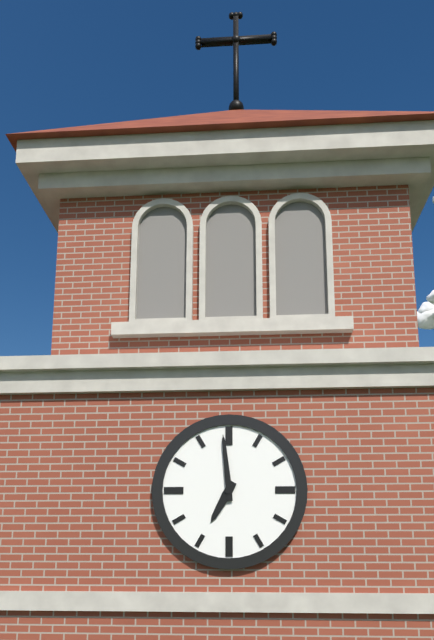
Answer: 6.59
